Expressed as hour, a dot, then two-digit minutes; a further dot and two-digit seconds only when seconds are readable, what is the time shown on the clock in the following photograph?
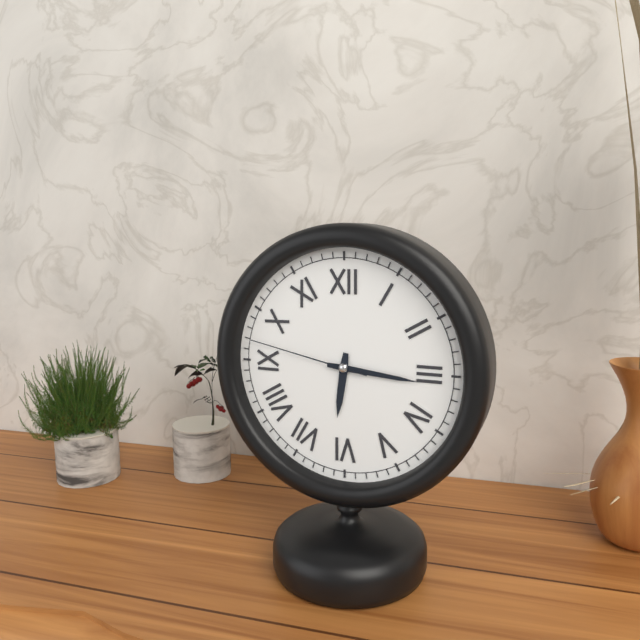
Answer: 6.16.47
